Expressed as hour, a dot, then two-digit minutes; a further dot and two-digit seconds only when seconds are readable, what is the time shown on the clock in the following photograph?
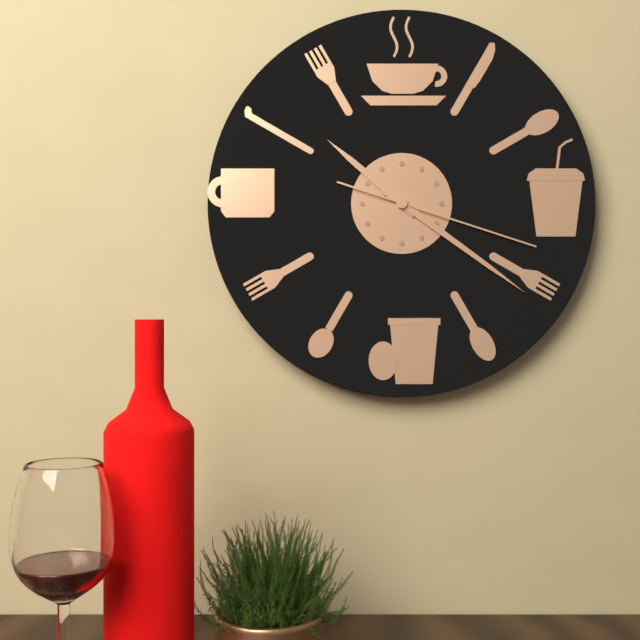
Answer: 10.21.18
